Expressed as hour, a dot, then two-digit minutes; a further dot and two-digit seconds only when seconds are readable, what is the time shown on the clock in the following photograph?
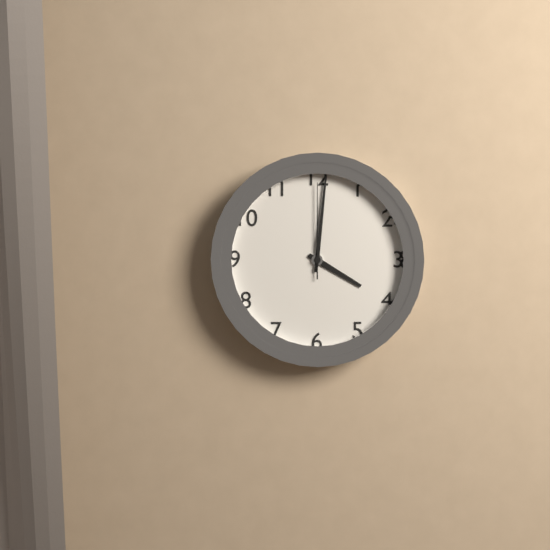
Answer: 4.01.00
